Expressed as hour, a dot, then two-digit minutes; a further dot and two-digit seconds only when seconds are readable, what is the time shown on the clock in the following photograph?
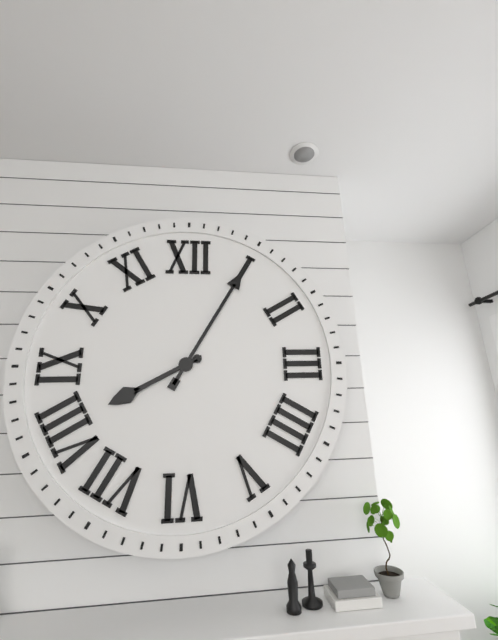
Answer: 8.05.40
